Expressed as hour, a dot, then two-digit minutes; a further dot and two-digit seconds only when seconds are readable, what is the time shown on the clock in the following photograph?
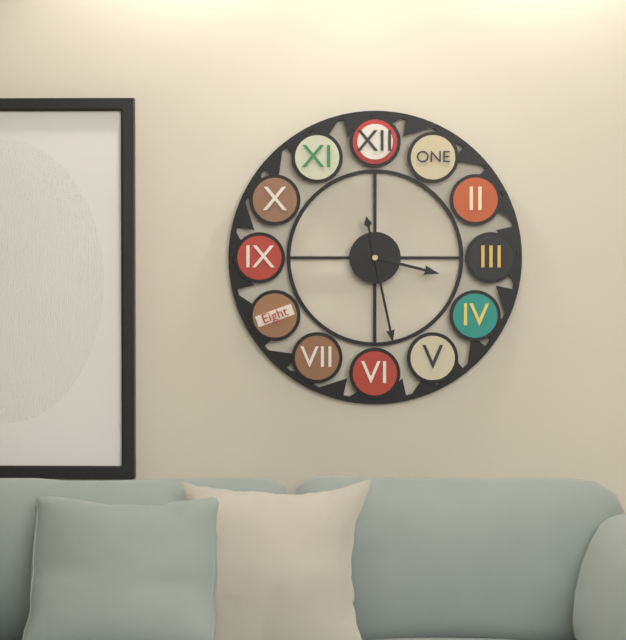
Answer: 3.28
